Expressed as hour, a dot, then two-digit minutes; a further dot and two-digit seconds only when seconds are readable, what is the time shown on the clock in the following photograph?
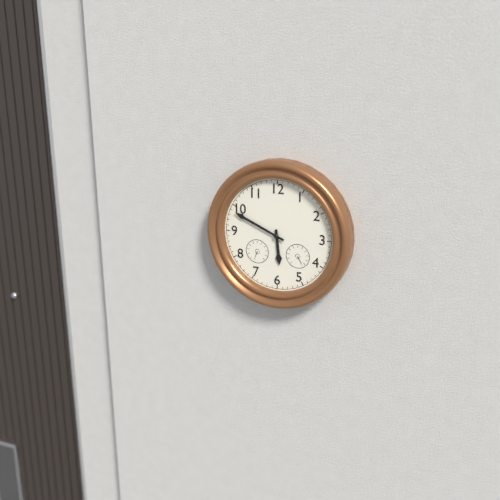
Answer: 5.49
